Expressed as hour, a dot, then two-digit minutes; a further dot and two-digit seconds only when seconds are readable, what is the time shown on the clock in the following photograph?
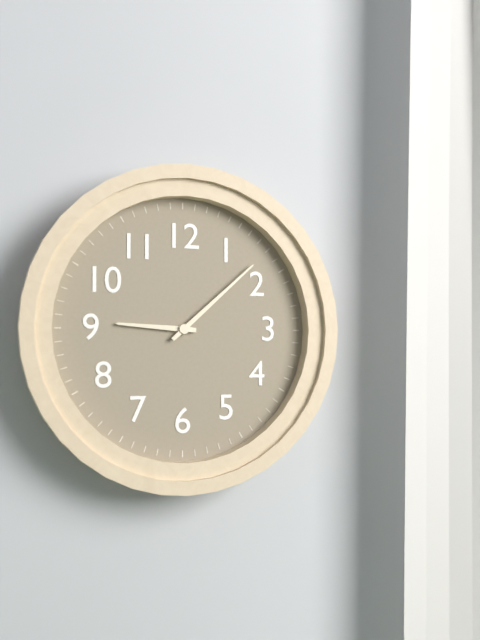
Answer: 9.08
